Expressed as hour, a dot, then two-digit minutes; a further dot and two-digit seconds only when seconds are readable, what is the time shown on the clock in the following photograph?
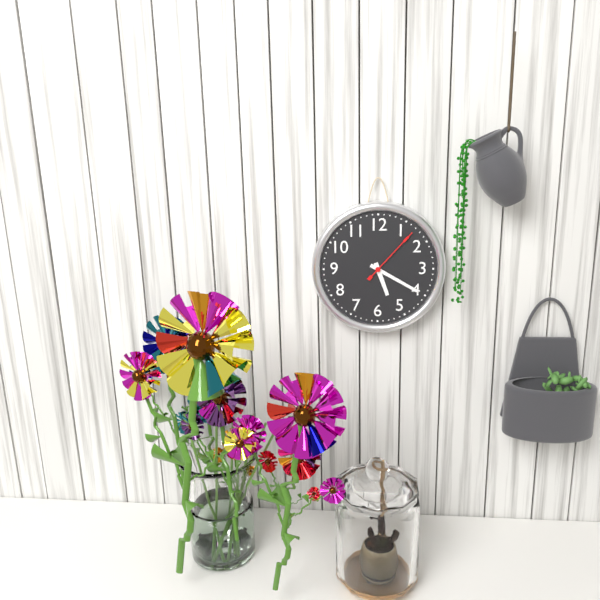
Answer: 5.20.07
